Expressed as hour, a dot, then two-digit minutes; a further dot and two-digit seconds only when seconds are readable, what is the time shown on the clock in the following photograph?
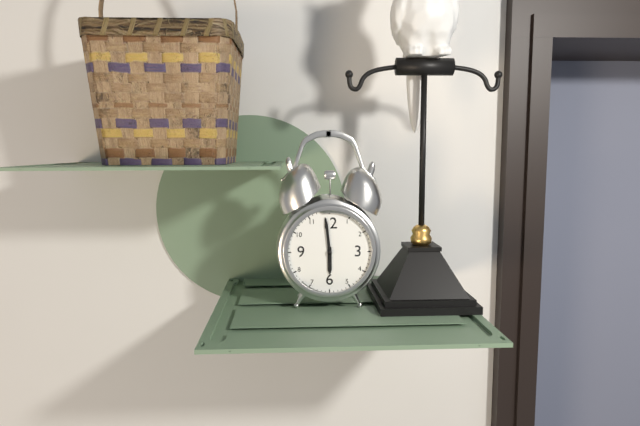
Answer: 5.59
